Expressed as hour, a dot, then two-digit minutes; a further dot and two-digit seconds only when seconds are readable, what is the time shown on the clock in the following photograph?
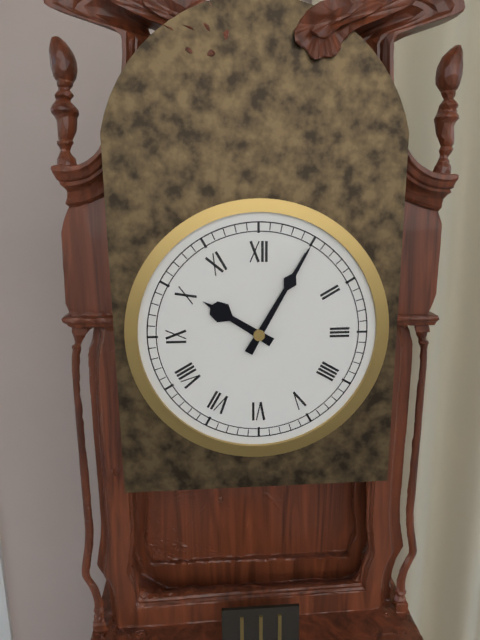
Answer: 10.05
